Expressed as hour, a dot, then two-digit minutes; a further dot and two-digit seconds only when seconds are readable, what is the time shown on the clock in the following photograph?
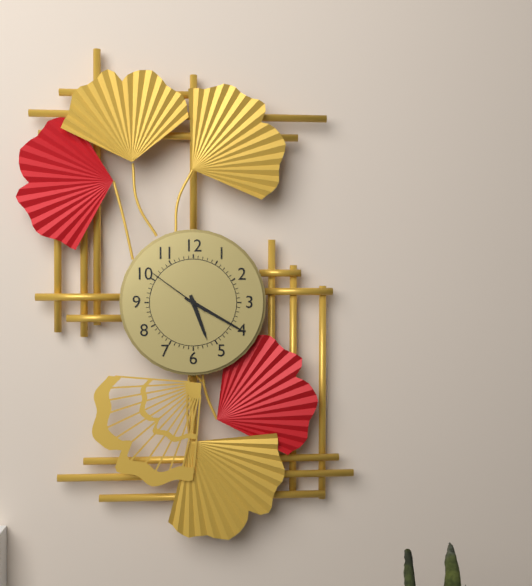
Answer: 5.20.51
